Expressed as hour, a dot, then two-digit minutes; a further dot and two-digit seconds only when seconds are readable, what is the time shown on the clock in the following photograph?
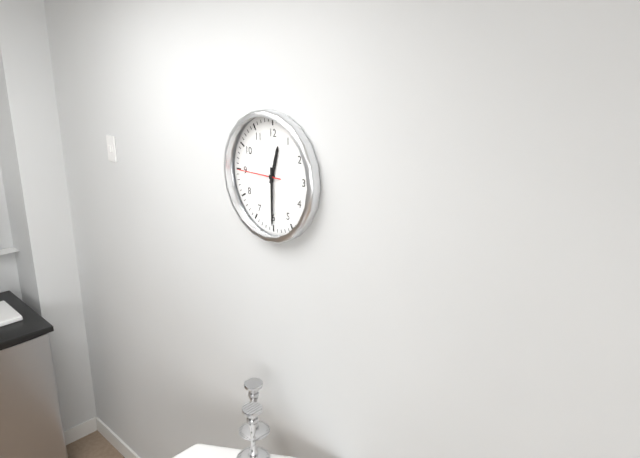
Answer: 12.30
